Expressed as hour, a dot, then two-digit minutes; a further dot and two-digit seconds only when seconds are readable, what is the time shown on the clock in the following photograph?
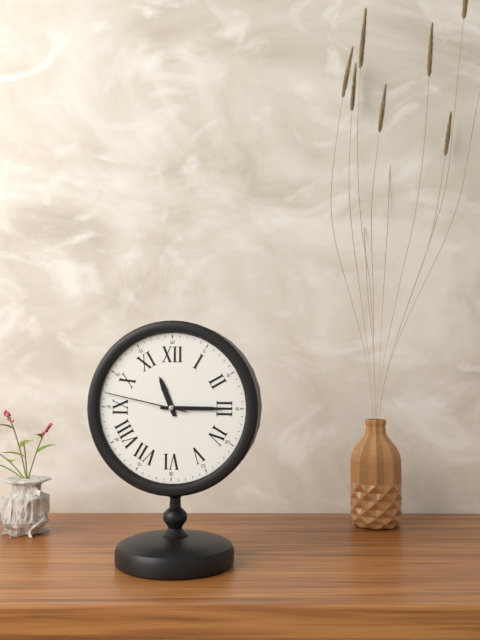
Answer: 11.15.47
